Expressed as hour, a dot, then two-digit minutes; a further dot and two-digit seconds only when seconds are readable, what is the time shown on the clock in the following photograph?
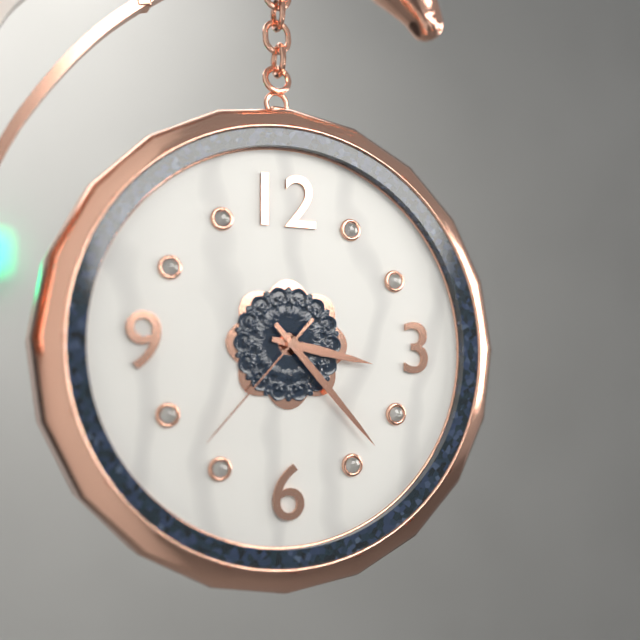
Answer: 3.23.37
